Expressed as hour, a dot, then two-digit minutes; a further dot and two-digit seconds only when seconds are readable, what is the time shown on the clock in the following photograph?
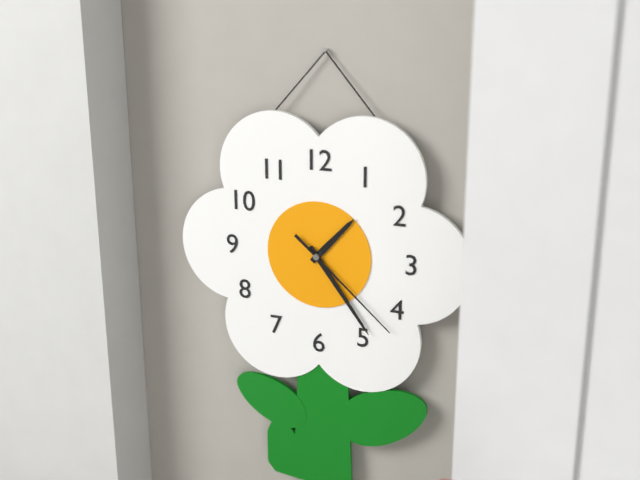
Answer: 1.24.22
